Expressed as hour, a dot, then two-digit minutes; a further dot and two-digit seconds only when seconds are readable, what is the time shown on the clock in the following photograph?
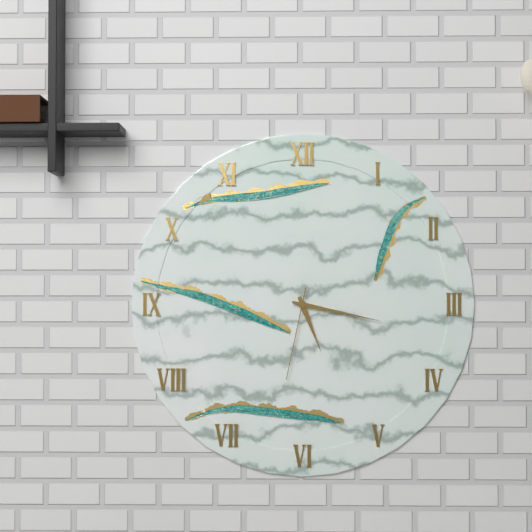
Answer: 5.17.32
